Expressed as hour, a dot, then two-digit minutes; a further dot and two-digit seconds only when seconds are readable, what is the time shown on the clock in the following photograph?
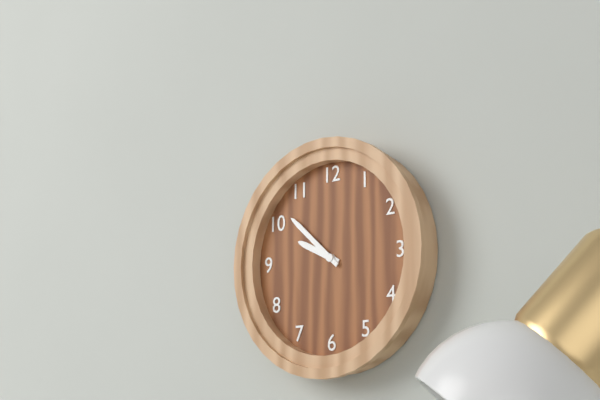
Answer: 9.52
